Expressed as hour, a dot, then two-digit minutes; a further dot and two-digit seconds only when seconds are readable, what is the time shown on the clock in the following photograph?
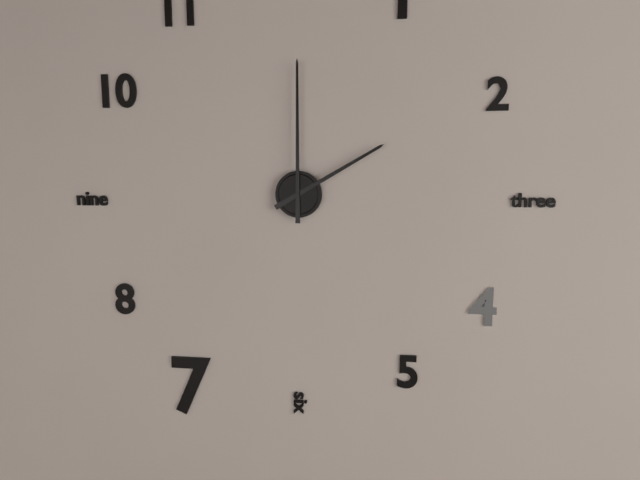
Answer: 2.00
